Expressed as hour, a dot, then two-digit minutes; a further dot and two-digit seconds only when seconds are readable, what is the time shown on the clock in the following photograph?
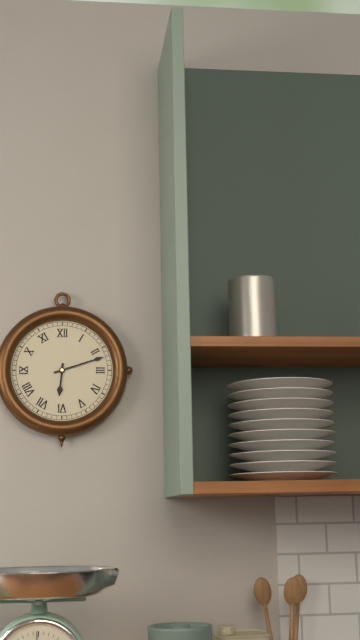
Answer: 6.12
